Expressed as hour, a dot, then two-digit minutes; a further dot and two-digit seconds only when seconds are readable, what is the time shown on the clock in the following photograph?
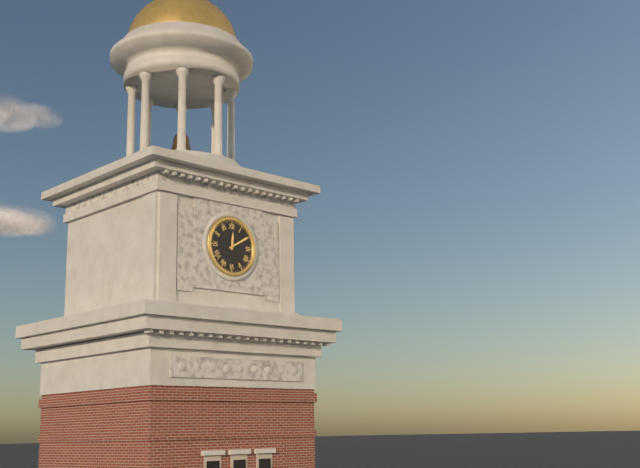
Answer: 12.10
